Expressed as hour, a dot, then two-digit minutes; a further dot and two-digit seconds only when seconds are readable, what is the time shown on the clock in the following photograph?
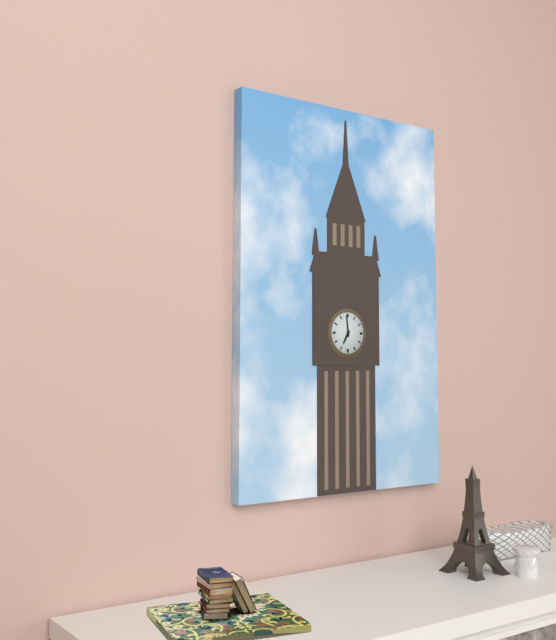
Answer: 6.59
